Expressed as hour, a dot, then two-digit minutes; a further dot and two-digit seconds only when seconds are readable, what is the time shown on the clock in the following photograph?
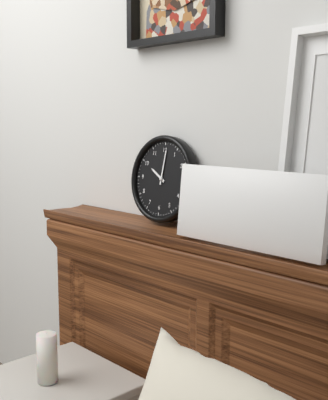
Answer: 10.01
